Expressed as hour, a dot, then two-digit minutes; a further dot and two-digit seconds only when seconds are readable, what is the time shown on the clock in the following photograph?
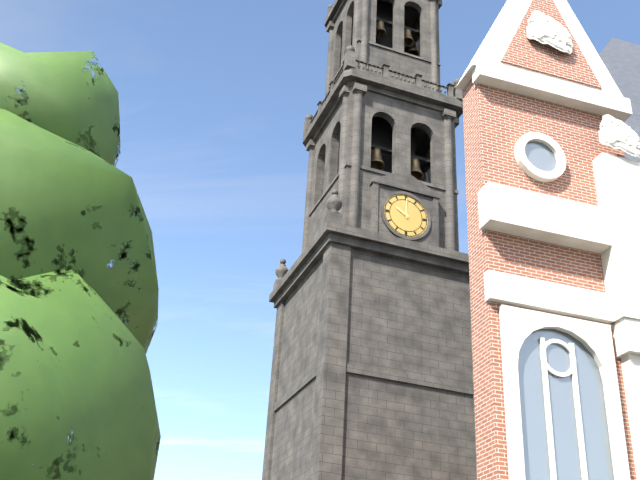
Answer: 10.00
